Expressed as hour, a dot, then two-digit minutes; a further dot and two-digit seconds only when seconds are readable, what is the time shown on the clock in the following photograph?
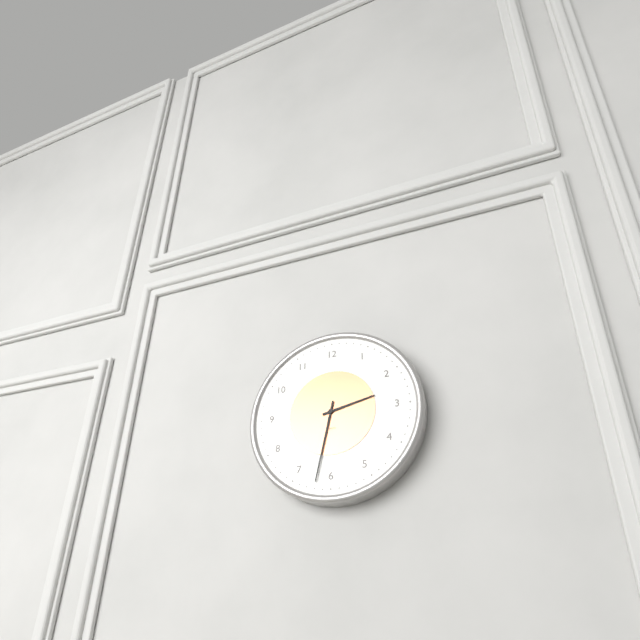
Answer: 2.32
